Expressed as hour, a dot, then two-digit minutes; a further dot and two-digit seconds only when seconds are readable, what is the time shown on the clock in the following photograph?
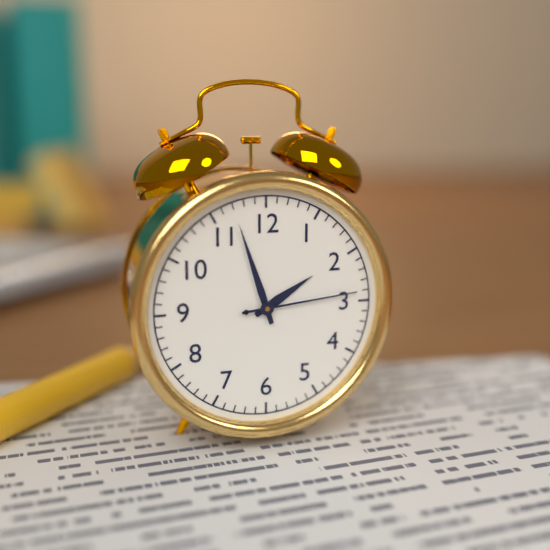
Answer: 1.57.14
